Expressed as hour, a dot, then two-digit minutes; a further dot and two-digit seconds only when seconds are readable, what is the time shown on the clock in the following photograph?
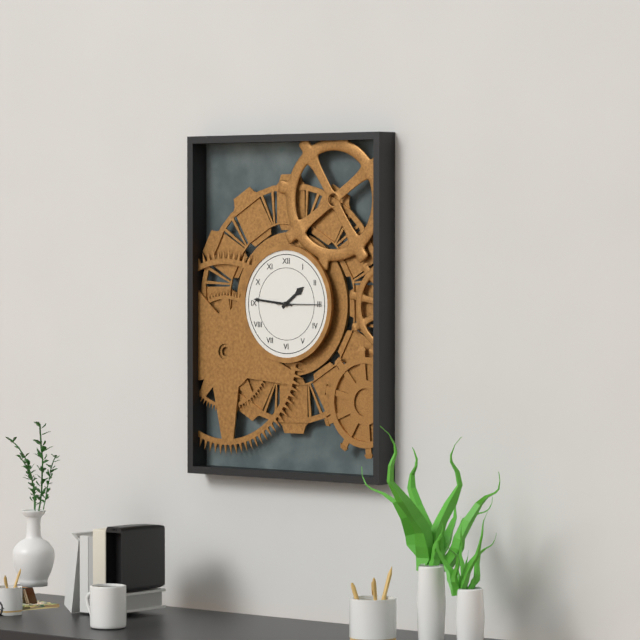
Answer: 1.46
